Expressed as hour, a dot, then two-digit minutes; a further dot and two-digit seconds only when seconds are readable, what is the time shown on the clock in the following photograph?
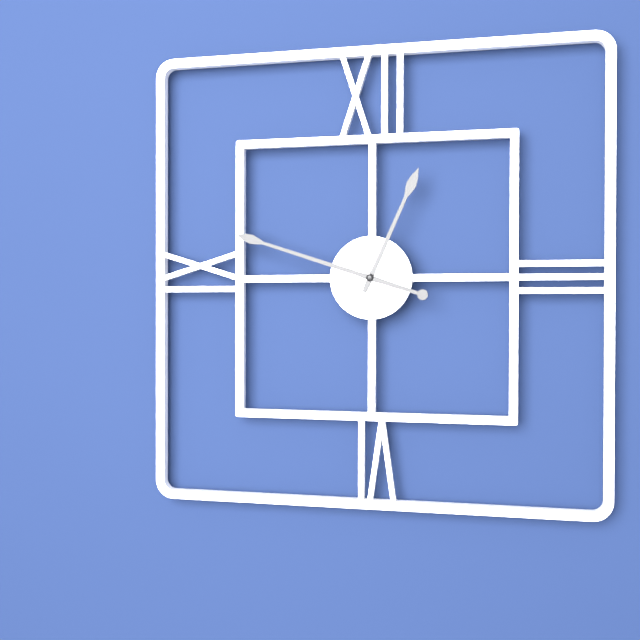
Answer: 12.48
